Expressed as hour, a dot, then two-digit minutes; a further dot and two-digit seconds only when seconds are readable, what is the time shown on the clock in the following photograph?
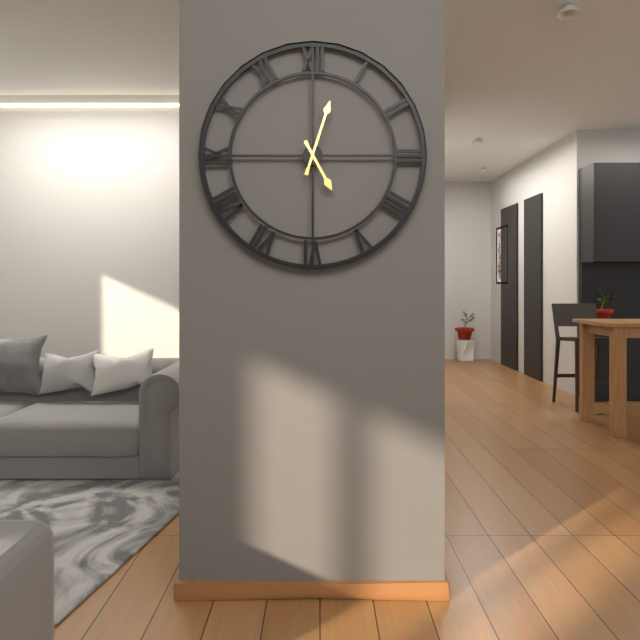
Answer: 5.03
